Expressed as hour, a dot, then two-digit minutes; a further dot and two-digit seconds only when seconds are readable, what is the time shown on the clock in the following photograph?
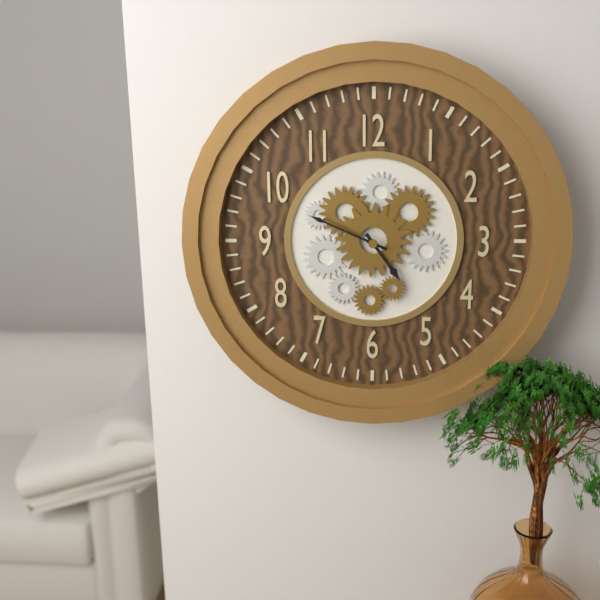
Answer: 4.49
